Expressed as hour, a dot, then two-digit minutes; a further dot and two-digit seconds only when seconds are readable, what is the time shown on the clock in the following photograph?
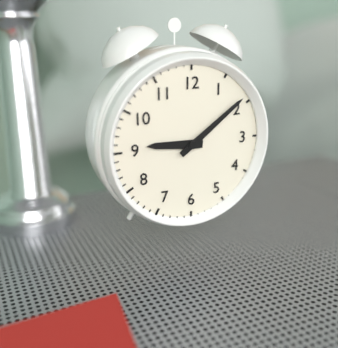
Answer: 9.09
